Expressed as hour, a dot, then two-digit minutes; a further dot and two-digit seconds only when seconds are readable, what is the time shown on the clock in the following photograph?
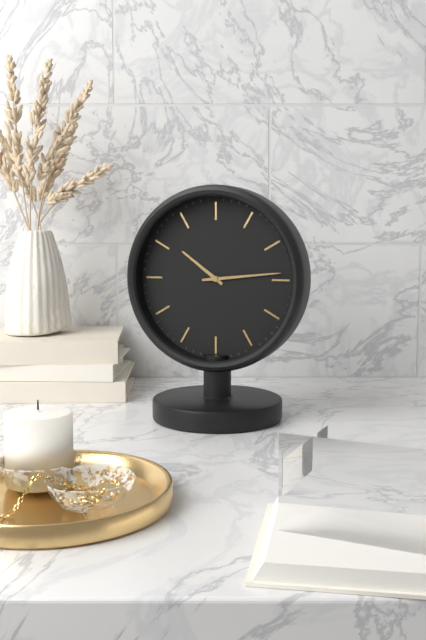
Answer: 10.14
